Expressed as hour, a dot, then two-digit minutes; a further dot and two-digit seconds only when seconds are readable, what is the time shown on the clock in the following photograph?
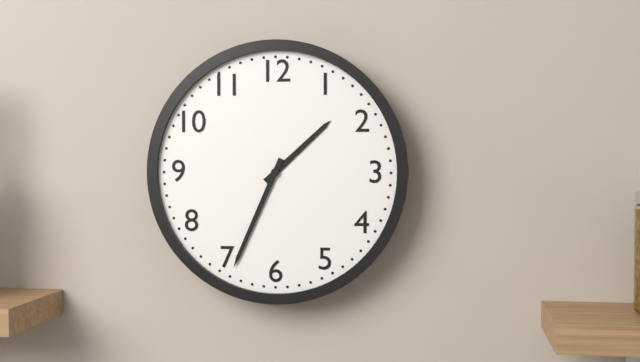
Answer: 1.34
